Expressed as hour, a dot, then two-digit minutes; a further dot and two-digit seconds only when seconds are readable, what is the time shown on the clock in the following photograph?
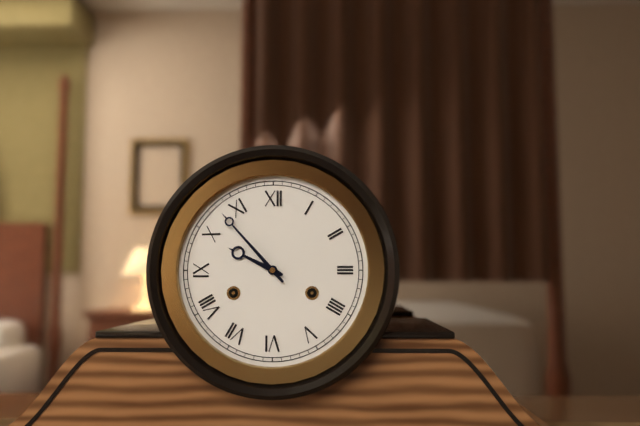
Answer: 9.53
